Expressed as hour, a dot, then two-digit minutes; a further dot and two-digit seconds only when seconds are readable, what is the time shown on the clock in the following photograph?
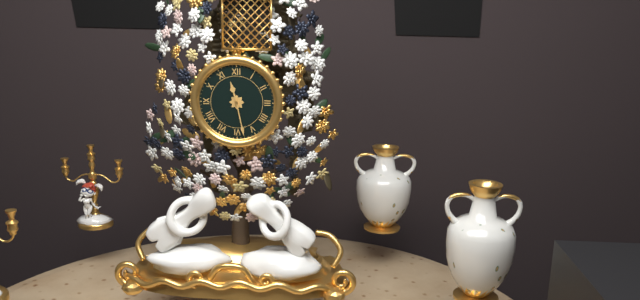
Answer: 11.28
